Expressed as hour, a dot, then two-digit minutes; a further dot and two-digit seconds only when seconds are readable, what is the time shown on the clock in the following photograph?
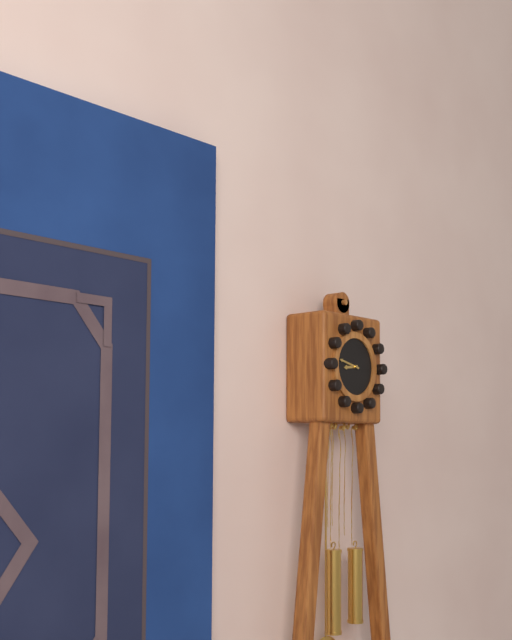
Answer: 8.47
